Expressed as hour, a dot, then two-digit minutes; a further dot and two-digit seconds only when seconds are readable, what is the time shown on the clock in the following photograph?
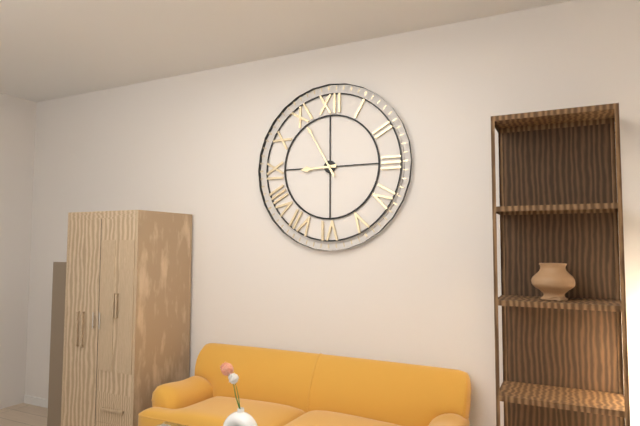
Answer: 8.55
